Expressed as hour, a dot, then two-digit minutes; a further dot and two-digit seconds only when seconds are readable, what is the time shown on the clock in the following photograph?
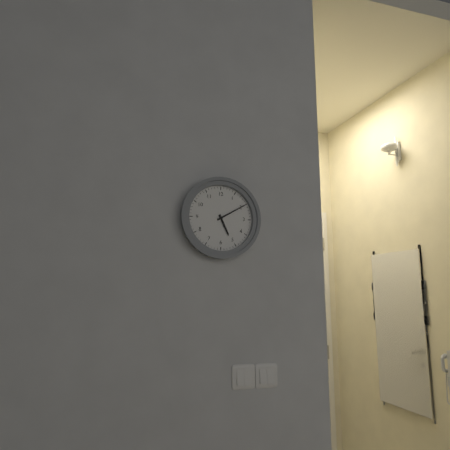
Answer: 5.10
